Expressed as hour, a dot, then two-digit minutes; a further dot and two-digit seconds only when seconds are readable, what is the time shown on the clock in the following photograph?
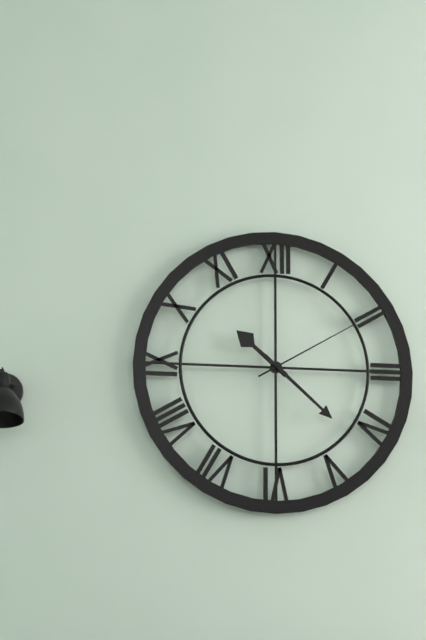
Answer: 10.22.10
